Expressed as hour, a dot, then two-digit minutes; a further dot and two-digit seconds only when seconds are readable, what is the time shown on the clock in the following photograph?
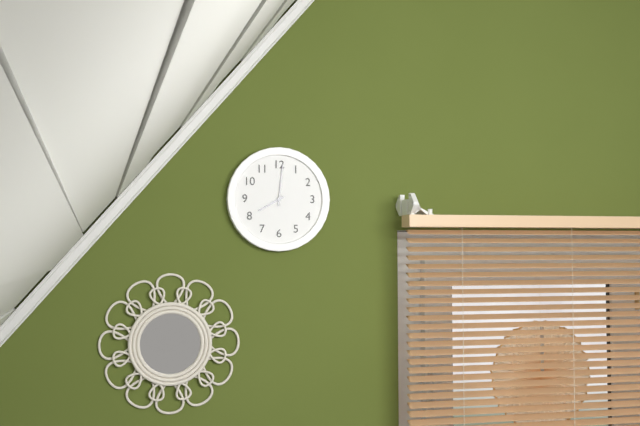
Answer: 8.01
